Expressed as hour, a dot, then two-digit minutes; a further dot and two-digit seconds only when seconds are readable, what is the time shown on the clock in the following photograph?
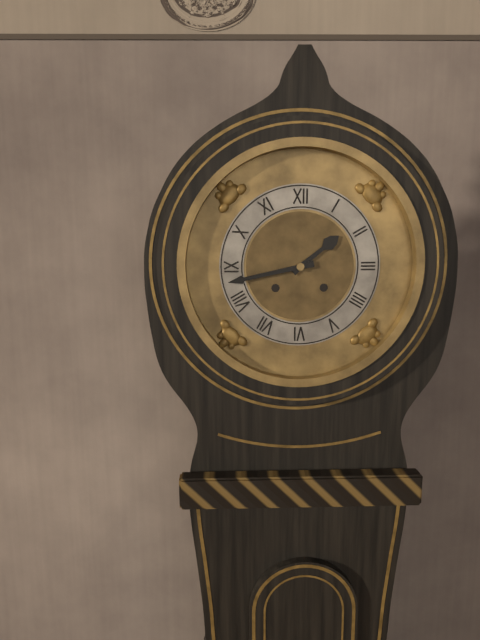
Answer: 1.43
